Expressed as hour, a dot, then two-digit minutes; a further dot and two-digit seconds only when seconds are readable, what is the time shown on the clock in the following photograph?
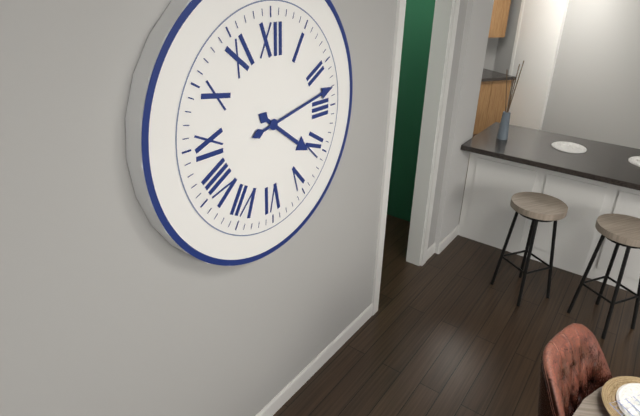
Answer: 4.13
